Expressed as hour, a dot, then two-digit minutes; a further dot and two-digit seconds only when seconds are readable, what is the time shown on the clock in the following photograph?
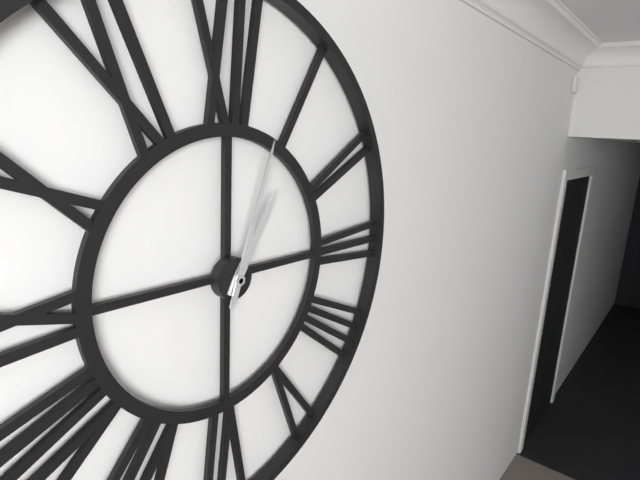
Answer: 1.03
